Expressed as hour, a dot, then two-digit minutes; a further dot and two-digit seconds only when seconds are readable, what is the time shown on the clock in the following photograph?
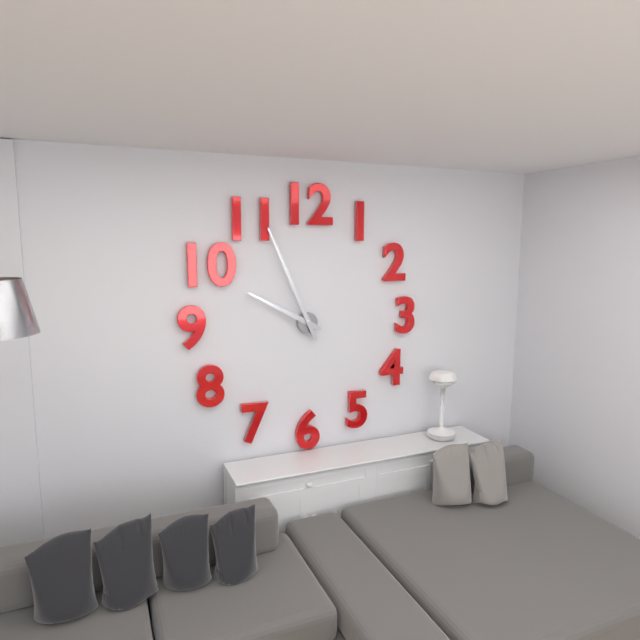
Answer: 9.56
